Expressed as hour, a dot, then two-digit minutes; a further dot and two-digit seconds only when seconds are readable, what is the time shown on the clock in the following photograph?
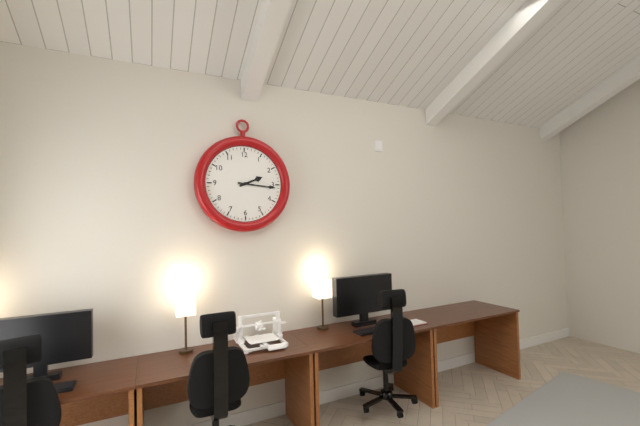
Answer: 2.16
